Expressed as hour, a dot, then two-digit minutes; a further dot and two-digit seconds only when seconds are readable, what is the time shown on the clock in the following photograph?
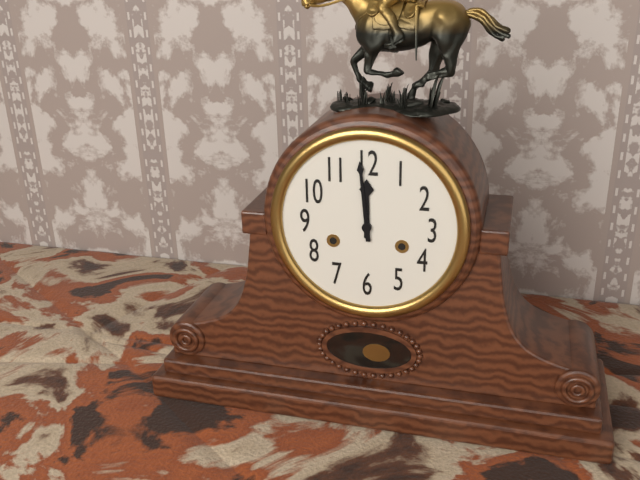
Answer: 11.59
